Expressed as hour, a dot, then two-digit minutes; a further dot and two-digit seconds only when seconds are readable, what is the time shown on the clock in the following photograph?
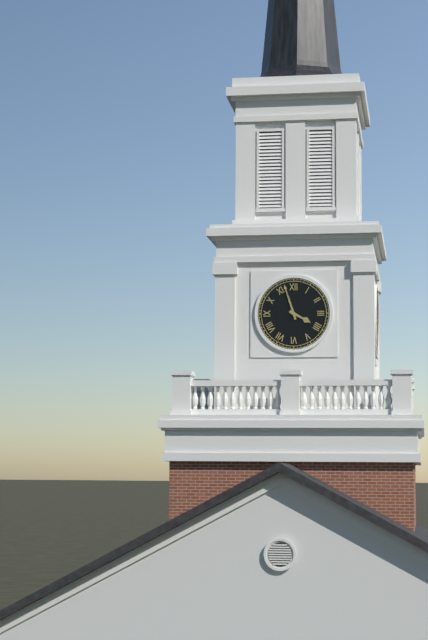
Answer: 3.57
